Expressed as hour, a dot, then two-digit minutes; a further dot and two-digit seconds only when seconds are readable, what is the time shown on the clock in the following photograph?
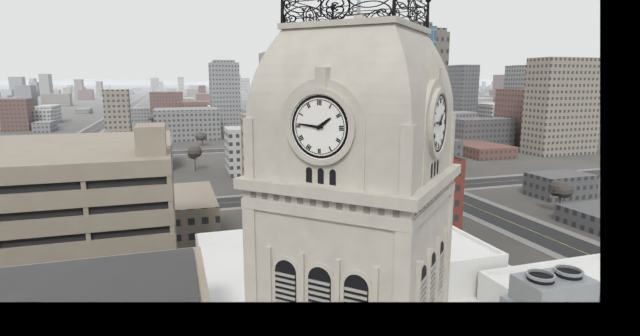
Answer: 1.46
